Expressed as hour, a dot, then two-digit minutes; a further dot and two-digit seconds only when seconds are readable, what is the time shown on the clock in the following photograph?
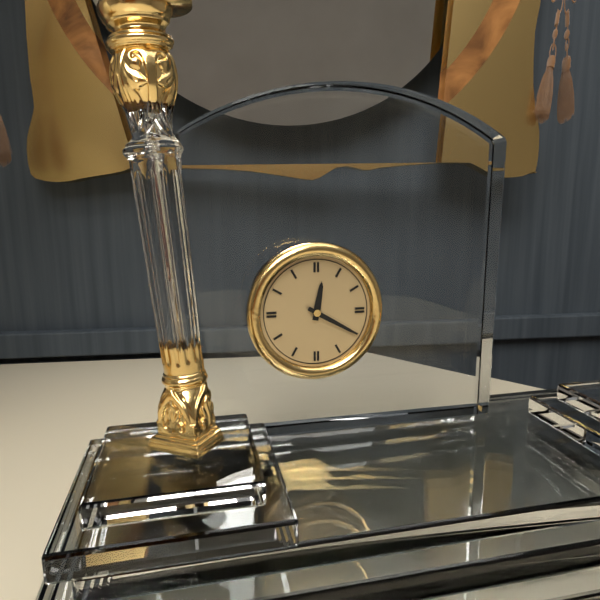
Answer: 12.20
